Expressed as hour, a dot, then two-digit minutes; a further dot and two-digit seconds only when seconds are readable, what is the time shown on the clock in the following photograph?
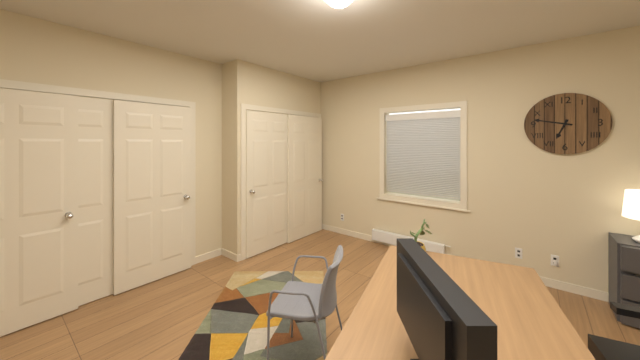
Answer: 6.47
